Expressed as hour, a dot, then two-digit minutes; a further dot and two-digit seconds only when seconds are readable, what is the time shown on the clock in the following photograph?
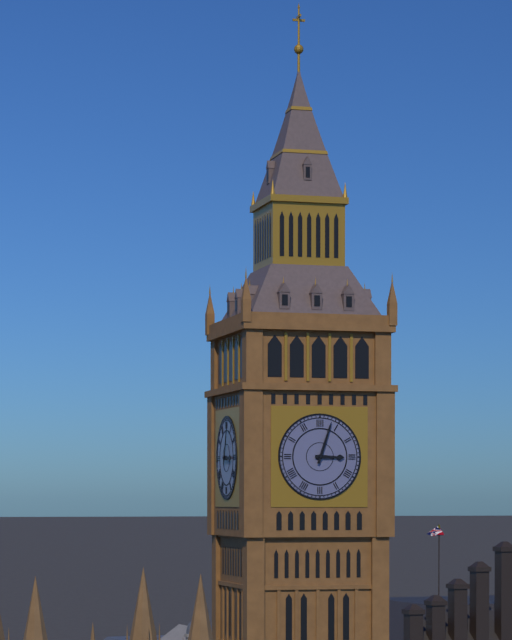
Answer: 3.03
